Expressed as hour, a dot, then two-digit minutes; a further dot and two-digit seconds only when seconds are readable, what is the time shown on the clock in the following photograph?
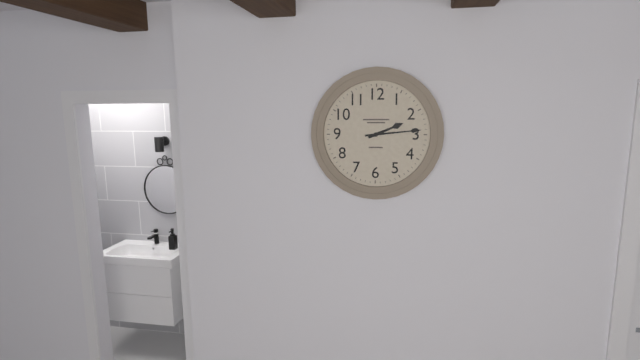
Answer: 2.14
